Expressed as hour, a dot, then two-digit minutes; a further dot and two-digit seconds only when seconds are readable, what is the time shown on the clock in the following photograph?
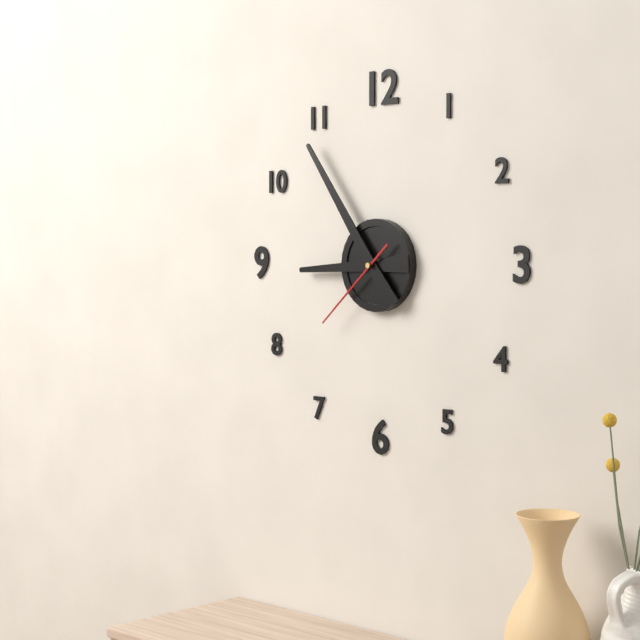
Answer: 8.54.38
